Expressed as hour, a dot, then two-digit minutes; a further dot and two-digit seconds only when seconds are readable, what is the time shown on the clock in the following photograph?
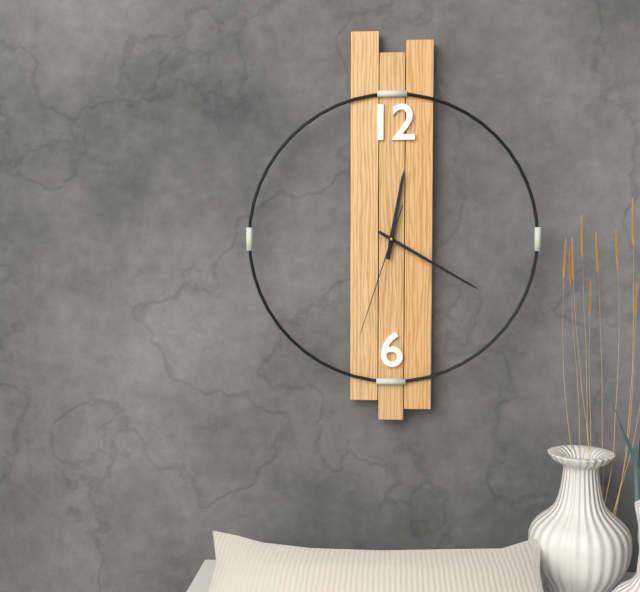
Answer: 12.20.33
